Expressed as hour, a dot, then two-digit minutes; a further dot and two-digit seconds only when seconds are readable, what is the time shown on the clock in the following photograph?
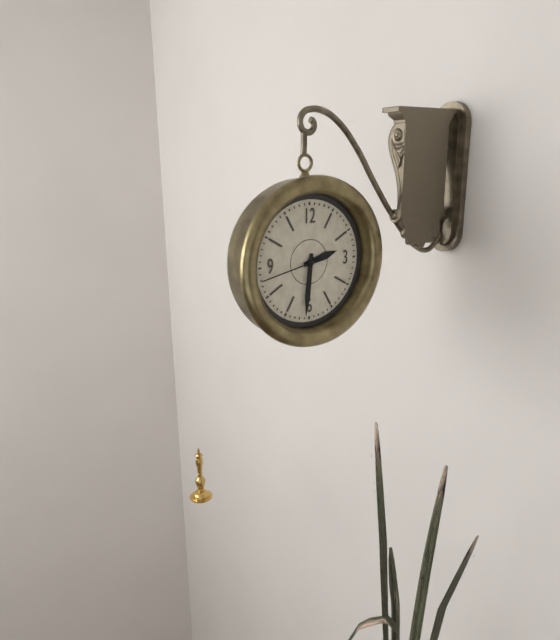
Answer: 2.31.43
